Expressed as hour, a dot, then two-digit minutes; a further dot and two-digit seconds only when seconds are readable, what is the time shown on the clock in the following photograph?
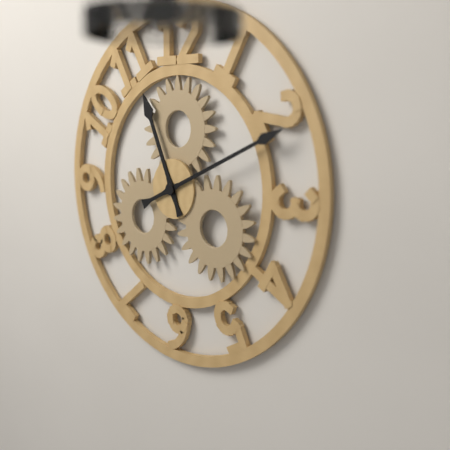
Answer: 11.11
